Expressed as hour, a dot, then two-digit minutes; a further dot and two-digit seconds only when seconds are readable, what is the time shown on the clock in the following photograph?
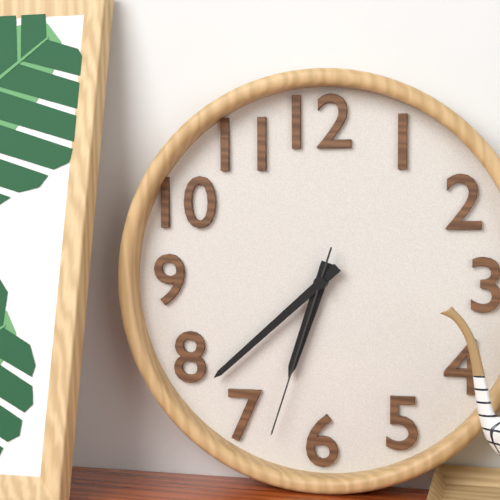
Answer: 6.38.33
